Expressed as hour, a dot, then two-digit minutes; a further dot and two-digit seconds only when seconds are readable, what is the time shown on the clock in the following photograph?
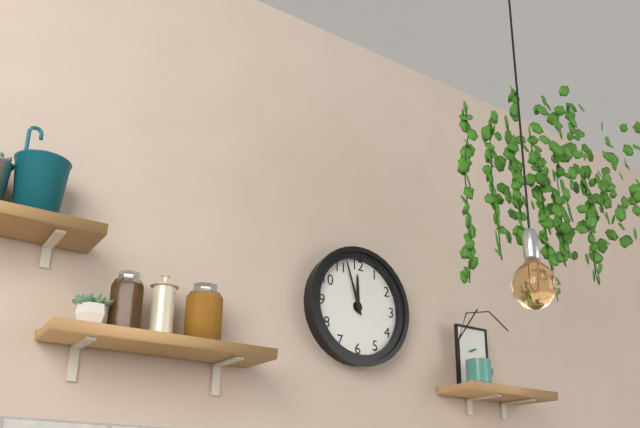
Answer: 11.57
